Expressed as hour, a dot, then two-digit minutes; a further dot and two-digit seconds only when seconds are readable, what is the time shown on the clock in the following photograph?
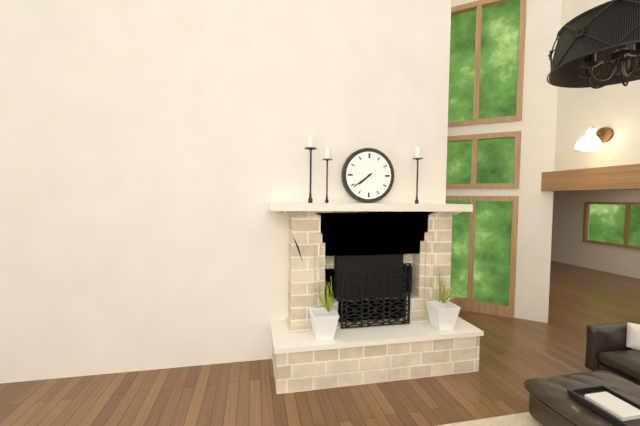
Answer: 7.39
